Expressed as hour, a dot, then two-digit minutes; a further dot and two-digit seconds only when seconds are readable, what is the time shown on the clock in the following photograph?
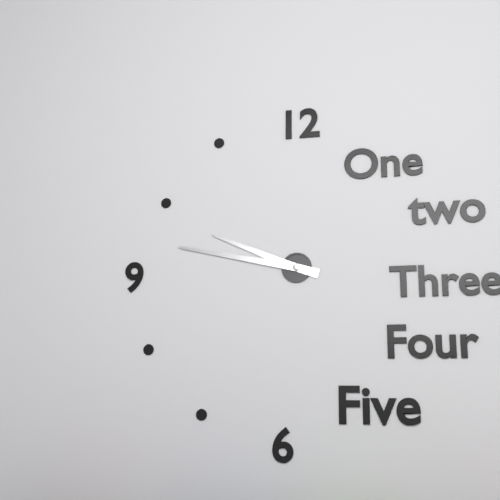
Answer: 9.47
